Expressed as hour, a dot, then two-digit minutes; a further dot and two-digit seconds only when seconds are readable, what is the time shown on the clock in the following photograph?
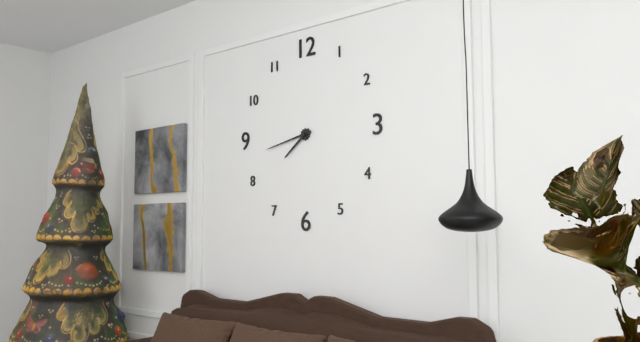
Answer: 7.43
